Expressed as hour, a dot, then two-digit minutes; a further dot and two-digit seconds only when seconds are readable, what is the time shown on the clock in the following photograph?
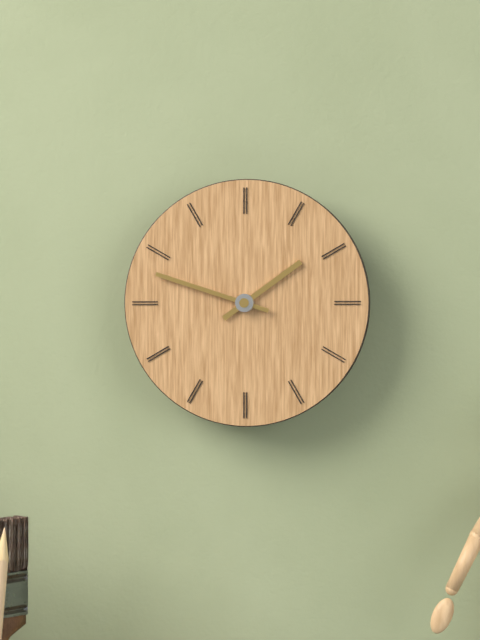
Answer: 1.48
